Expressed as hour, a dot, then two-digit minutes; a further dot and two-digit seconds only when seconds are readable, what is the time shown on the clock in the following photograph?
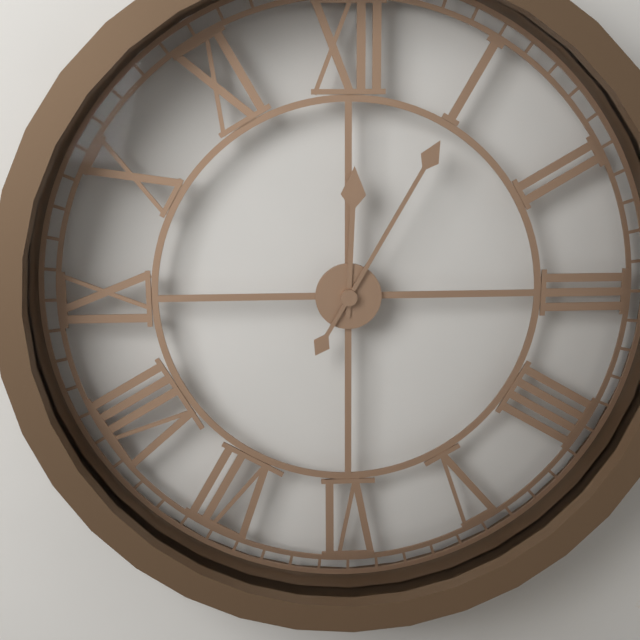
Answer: 12.05
